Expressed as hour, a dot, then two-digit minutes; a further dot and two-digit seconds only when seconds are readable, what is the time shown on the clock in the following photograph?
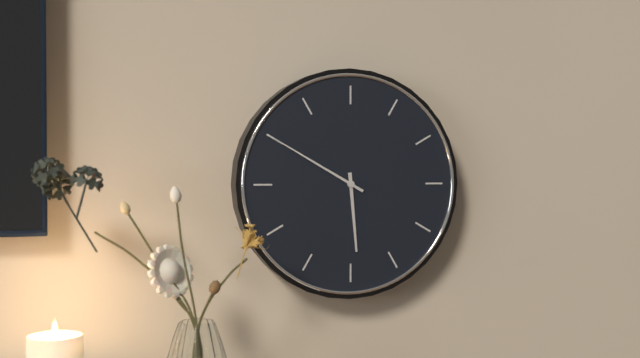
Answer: 5.50
